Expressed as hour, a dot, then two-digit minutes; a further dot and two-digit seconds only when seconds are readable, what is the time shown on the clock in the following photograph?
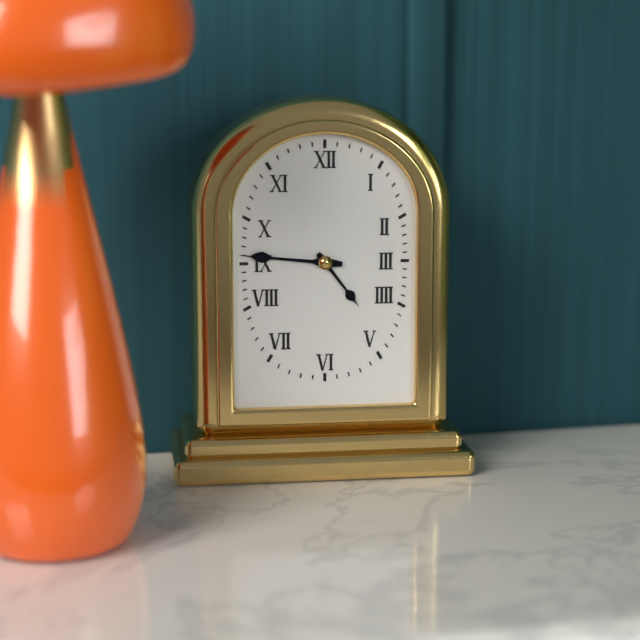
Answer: 4.46
